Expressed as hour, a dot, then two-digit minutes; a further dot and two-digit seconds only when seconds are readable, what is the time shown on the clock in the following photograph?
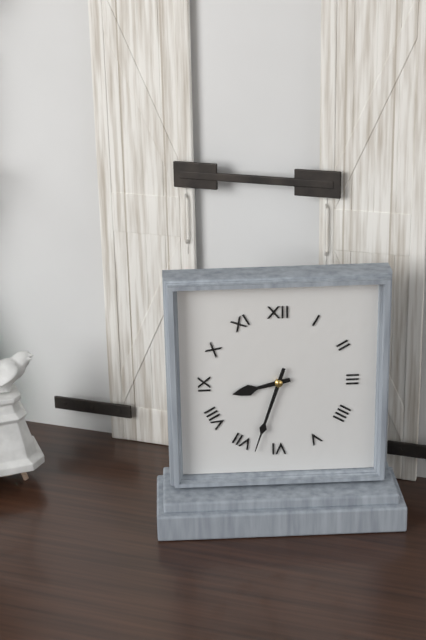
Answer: 8.33
